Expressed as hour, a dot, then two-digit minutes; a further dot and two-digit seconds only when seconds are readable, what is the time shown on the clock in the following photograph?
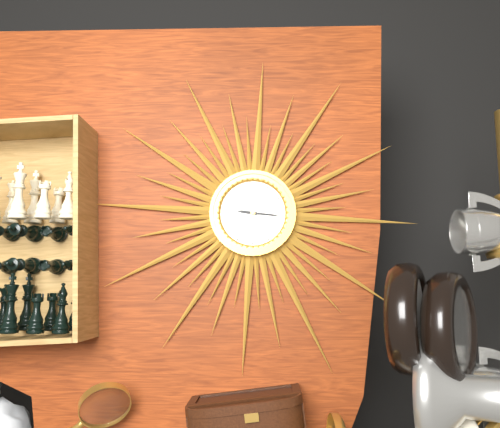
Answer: 9.16
